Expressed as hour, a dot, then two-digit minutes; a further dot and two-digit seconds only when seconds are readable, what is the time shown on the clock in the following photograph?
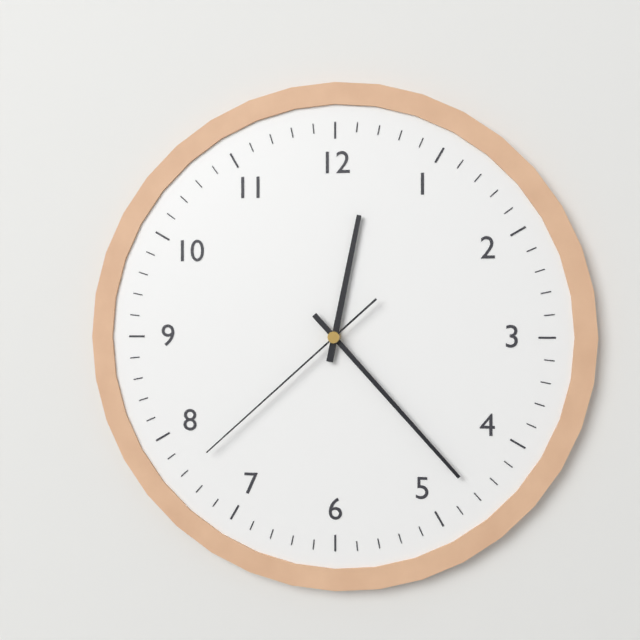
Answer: 12.23.38
